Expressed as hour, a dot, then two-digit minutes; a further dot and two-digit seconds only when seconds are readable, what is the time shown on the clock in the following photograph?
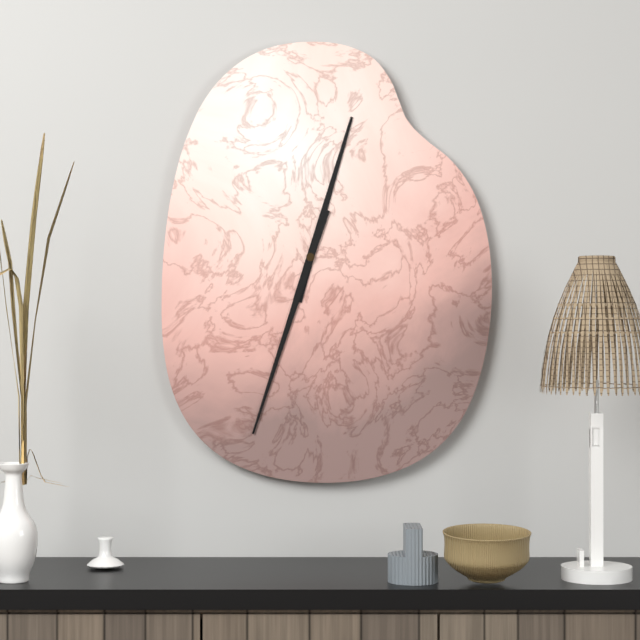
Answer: 12.33
